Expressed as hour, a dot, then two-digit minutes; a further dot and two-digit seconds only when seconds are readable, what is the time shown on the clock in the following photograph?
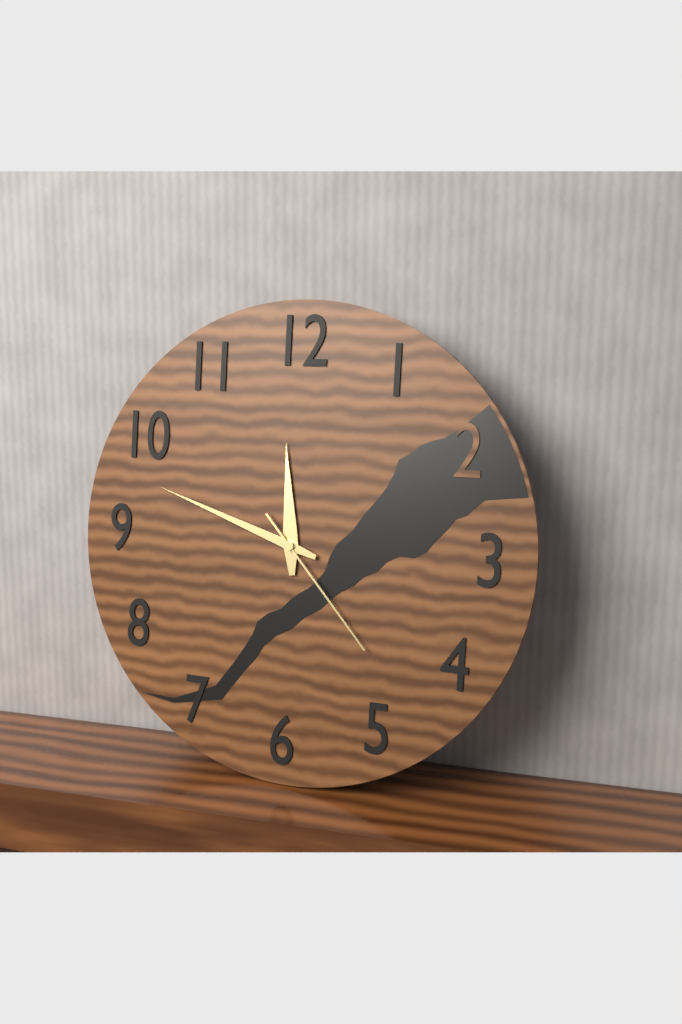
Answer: 11.48.23
